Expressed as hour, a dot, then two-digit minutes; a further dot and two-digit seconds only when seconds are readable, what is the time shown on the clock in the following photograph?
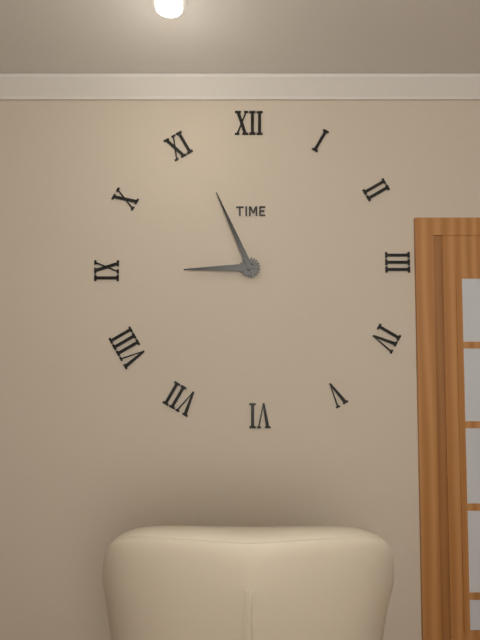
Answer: 8.56
